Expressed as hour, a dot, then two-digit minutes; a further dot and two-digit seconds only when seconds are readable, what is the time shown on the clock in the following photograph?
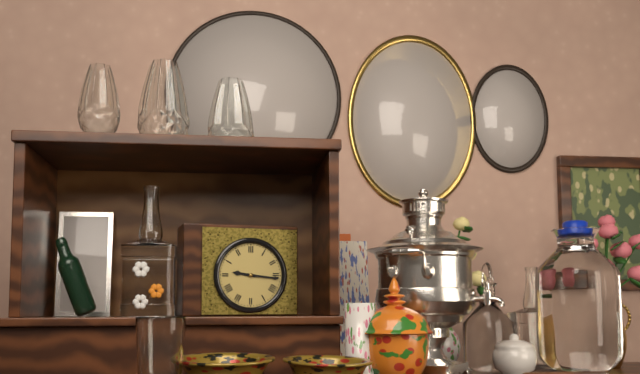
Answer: 9.16
